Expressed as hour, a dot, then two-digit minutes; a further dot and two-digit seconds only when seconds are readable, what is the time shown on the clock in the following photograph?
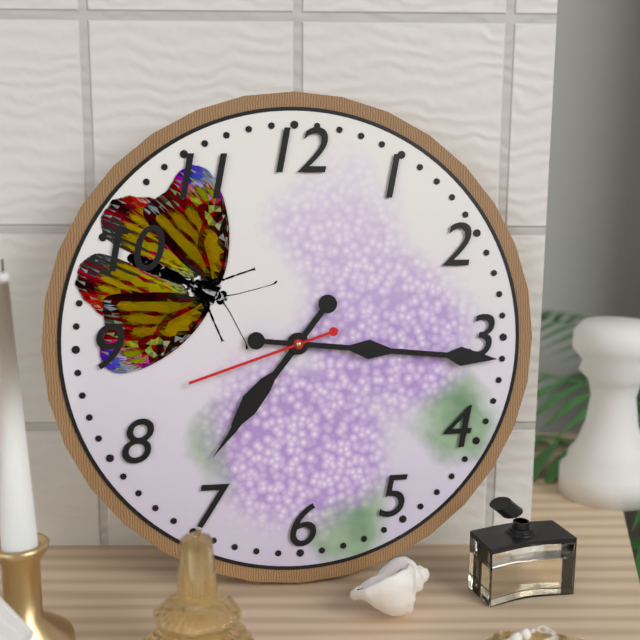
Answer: 7.16.42
